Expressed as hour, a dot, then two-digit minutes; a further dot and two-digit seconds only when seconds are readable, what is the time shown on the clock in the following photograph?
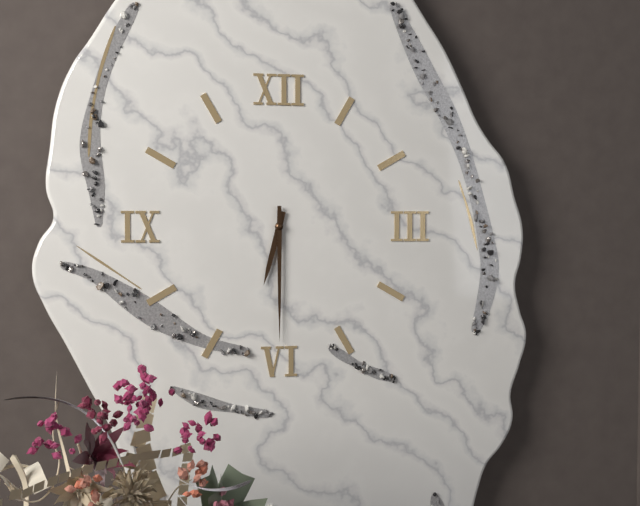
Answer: 6.30
